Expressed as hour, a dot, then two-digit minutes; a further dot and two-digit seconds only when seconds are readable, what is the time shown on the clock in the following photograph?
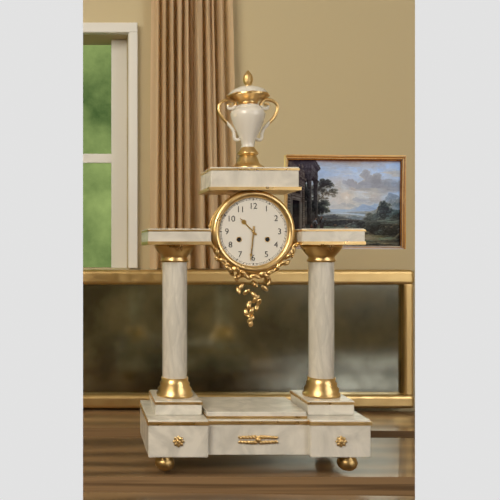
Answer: 10.31
